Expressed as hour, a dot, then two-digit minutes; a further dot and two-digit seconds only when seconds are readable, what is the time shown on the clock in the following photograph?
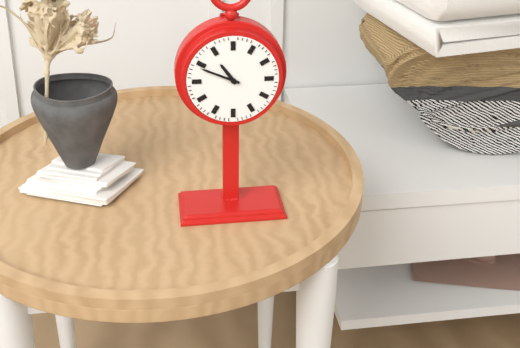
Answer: 10.49
